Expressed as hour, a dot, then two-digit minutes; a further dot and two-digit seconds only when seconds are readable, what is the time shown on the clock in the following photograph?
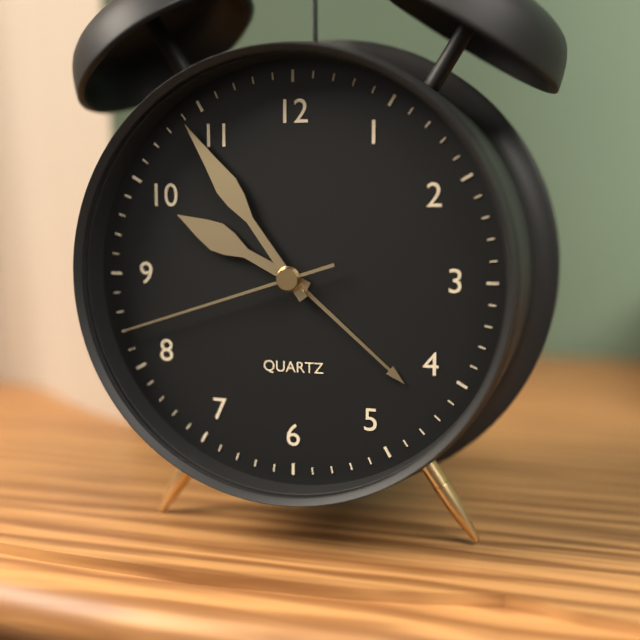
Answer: 9.54.42
